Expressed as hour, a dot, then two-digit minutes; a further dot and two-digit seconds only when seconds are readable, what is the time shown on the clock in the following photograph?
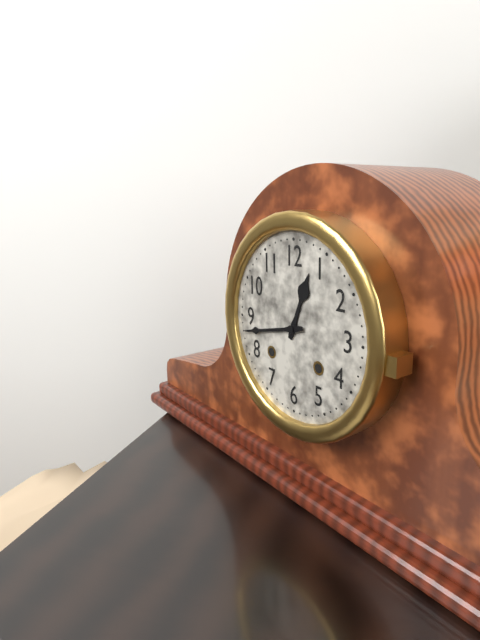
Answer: 12.43
